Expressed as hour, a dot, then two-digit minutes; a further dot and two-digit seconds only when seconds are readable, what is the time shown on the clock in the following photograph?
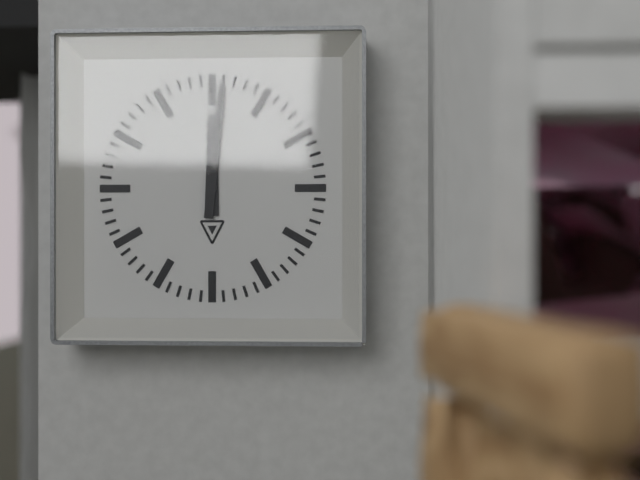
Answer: 12.01
